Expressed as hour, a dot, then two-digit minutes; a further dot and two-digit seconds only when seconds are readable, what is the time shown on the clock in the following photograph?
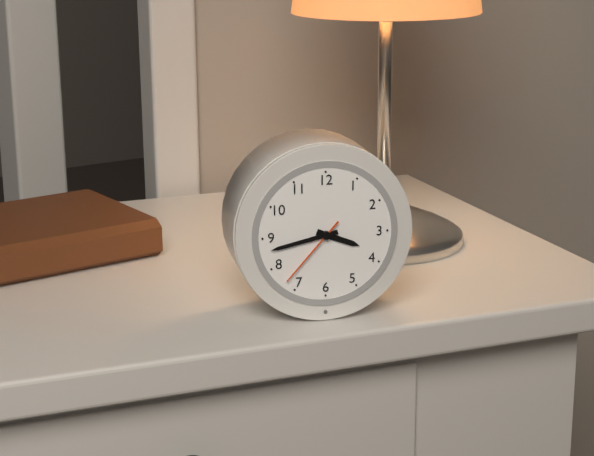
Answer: 3.43.37
